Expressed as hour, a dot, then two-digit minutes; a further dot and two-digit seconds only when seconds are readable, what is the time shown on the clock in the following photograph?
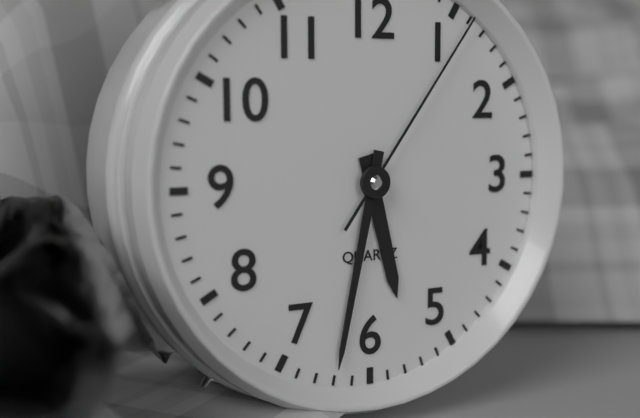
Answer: 5.32.06
